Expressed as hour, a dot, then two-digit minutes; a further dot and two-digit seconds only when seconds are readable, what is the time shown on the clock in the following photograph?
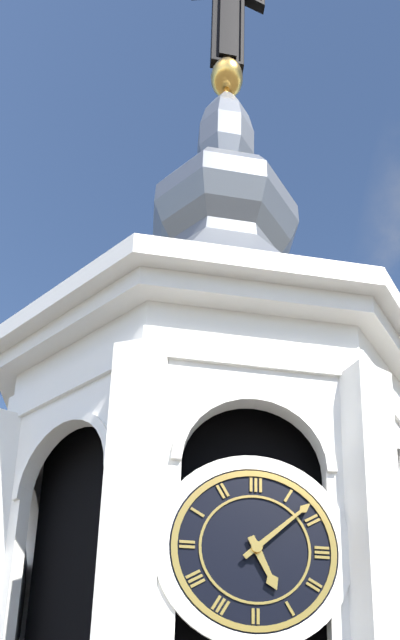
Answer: 5.08
